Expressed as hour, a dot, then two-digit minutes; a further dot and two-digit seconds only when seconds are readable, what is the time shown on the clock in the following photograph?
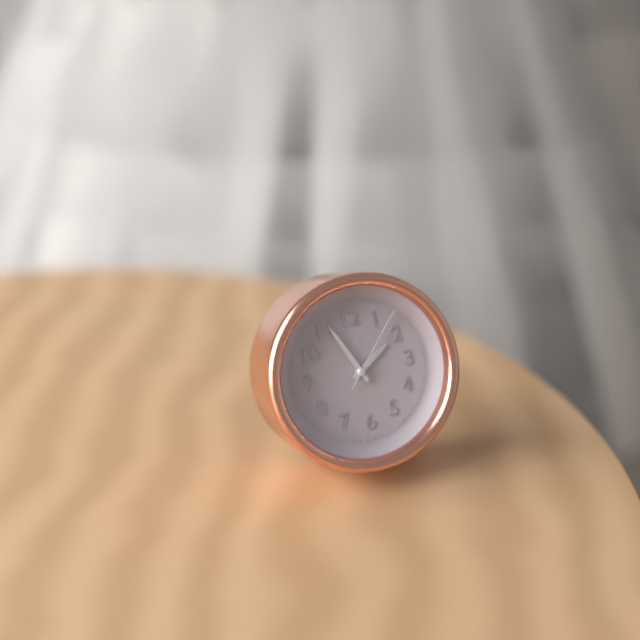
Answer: 1.56.07
